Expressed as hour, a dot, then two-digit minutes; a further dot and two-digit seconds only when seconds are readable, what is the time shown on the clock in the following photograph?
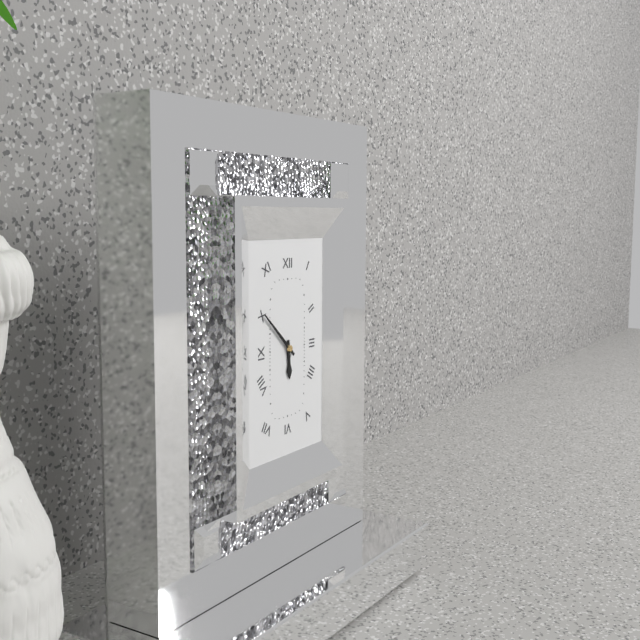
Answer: 5.52
